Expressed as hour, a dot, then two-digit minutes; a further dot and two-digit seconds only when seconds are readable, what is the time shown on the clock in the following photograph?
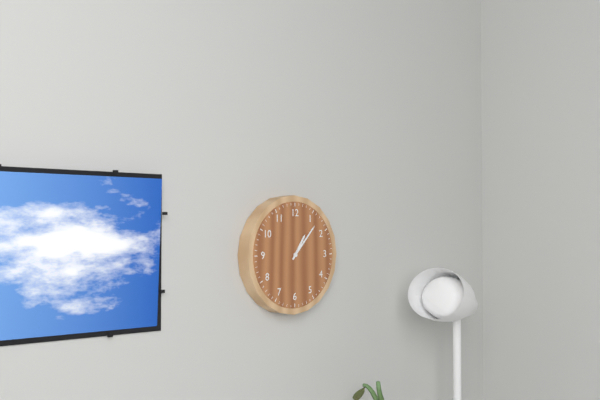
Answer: 1.07
